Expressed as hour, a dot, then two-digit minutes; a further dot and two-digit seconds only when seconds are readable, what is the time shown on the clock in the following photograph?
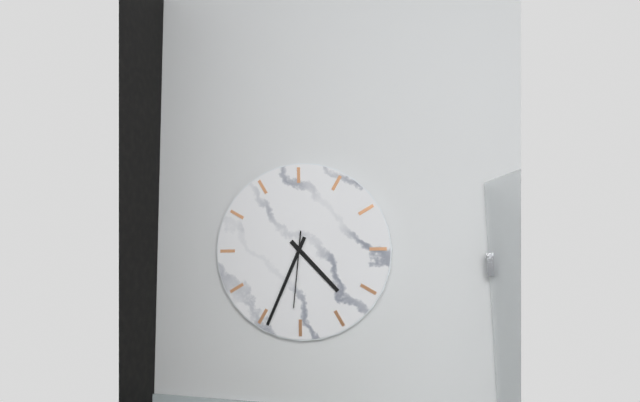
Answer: 4.34.31
